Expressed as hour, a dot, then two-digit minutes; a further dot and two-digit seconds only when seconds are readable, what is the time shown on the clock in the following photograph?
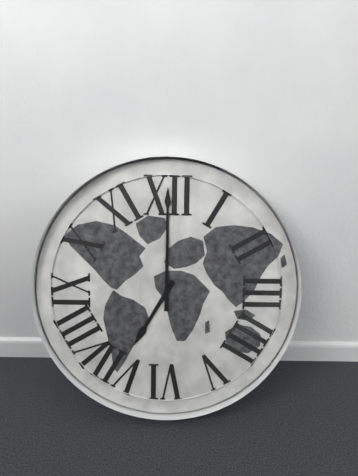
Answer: 7.00
